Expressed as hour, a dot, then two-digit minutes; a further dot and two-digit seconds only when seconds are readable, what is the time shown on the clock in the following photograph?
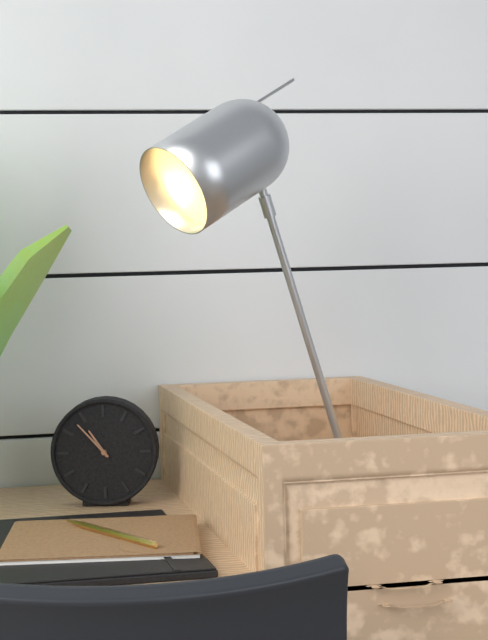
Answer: 10.53
